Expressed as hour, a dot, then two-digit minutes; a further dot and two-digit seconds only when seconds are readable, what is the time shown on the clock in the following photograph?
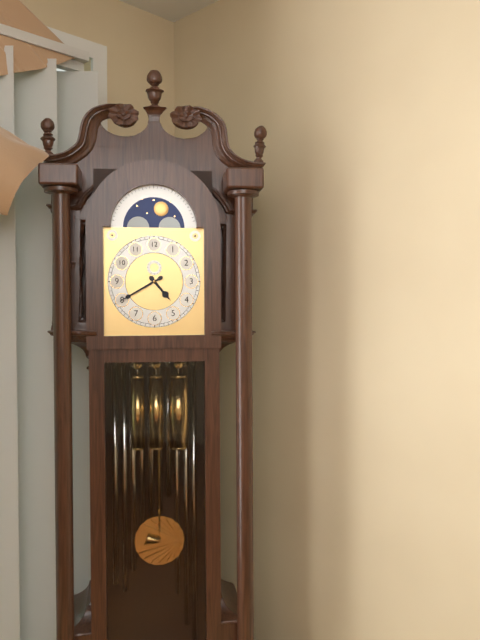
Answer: 4.40
